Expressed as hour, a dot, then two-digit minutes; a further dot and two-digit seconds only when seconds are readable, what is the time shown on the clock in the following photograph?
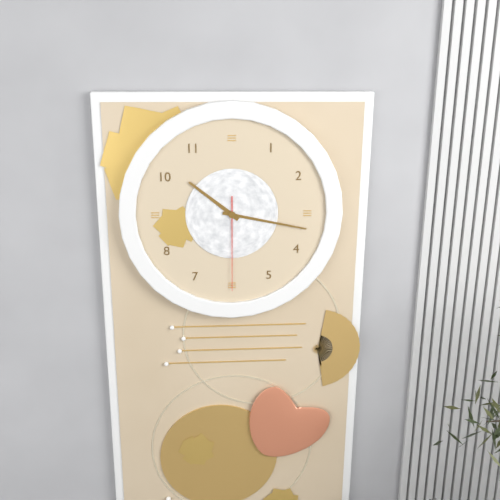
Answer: 10.17.30
